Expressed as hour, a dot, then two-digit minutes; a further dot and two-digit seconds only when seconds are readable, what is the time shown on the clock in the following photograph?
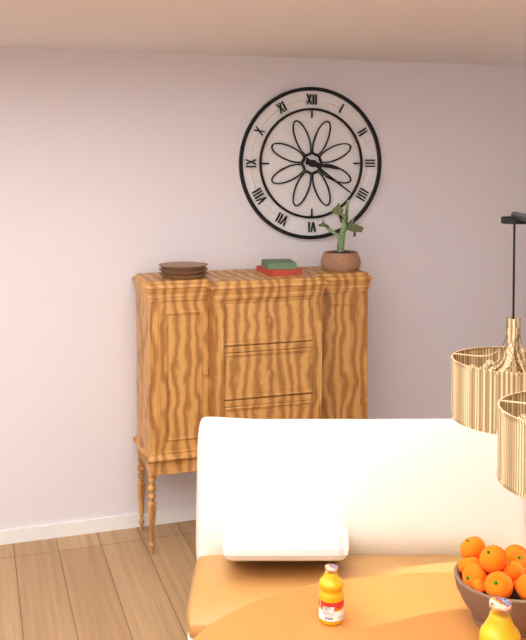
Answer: 3.21
